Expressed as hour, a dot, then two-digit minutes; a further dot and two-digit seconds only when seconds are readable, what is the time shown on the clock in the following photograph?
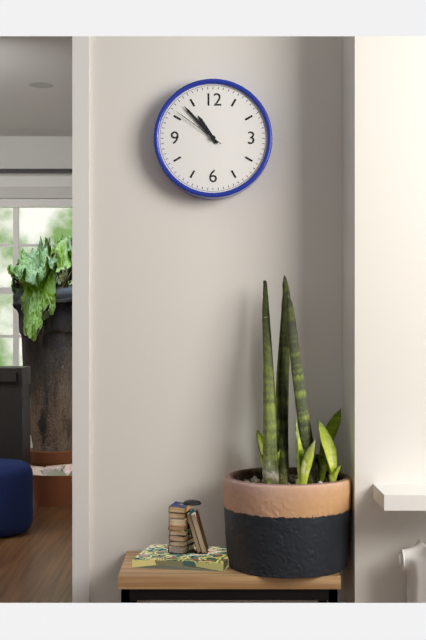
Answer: 10.53.51
